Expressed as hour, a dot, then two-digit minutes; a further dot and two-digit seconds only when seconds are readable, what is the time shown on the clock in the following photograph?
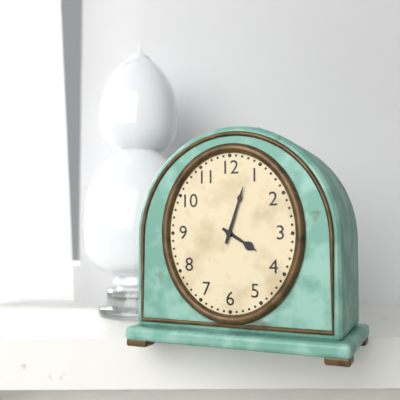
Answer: 4.03
